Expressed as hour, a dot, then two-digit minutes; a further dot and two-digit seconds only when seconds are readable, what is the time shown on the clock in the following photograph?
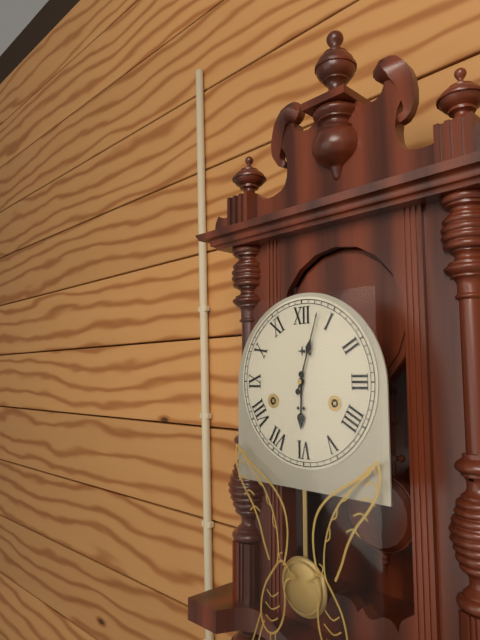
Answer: 6.03
